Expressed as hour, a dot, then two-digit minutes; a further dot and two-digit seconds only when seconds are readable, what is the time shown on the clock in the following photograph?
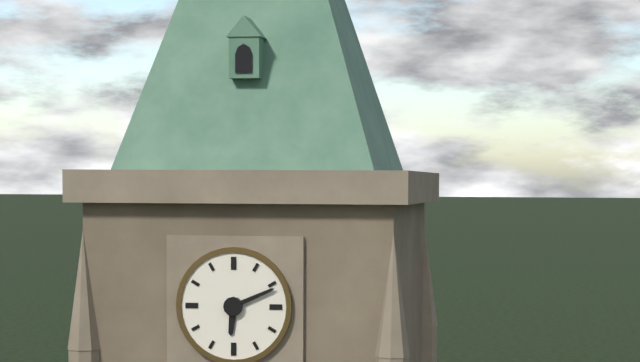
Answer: 6.11
